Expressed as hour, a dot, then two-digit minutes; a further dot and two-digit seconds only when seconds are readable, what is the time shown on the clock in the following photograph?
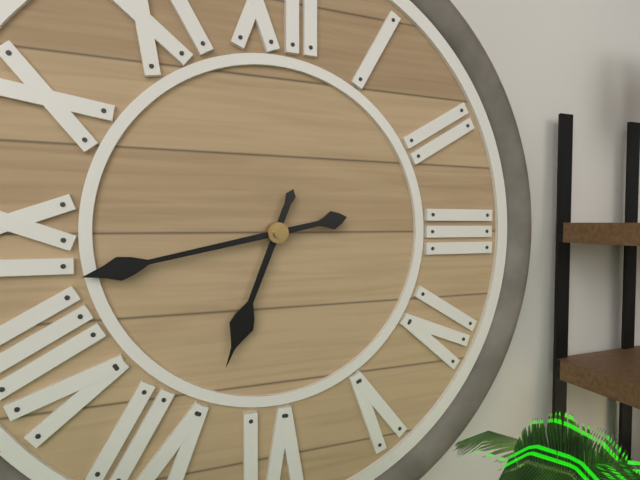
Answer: 6.43
